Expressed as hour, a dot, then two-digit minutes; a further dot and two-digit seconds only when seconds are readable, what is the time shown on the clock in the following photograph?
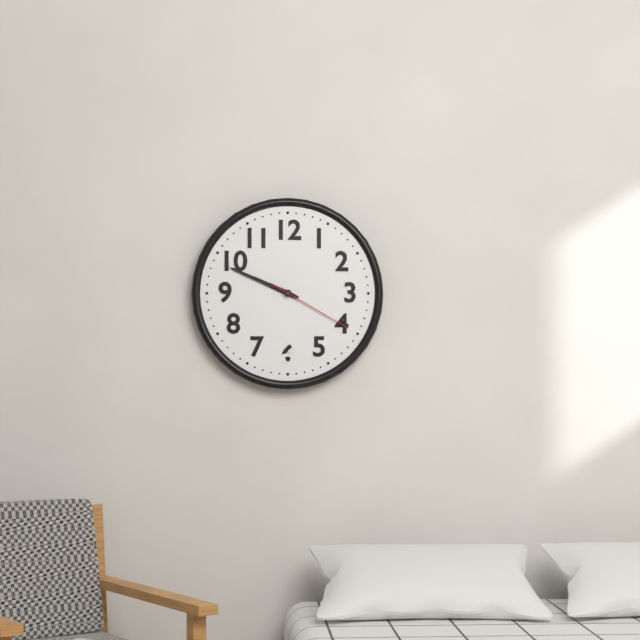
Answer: 9.49.20
